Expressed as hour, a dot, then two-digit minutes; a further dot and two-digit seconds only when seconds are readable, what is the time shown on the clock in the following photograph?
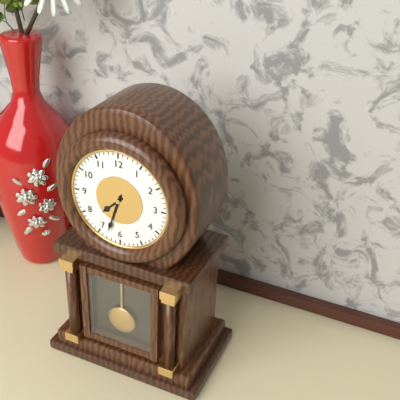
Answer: 7.33
